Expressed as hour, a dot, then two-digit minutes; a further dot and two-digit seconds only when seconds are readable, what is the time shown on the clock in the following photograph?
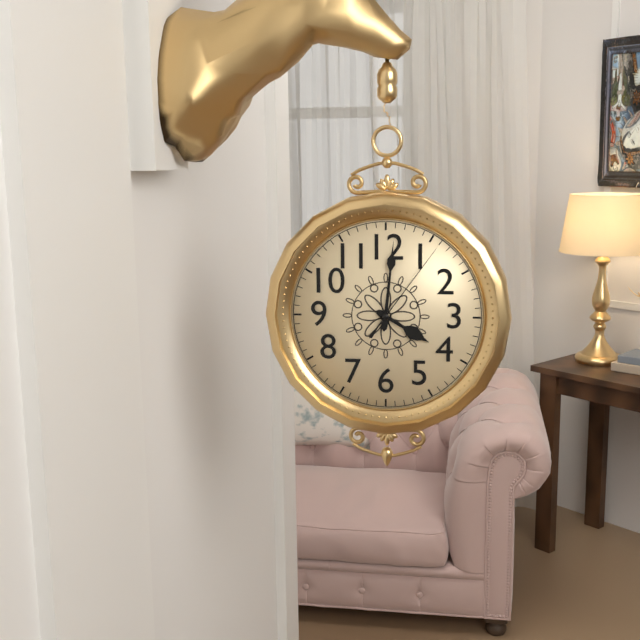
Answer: 4.01.06
